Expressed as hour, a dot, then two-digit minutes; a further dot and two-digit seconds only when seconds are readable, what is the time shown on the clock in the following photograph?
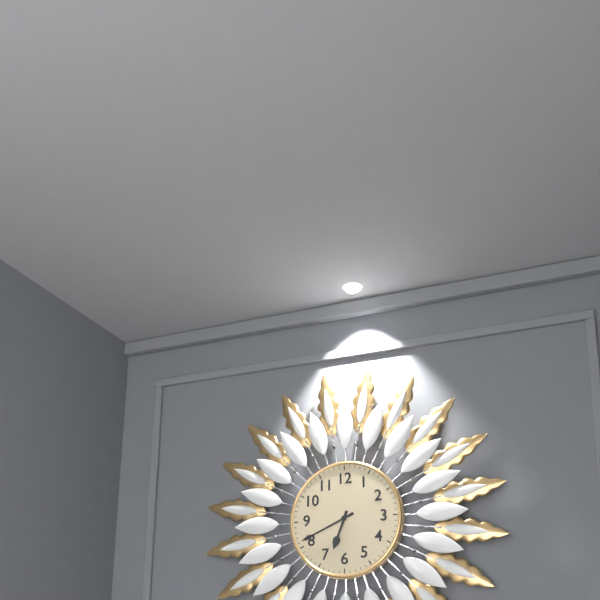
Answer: 6.41
